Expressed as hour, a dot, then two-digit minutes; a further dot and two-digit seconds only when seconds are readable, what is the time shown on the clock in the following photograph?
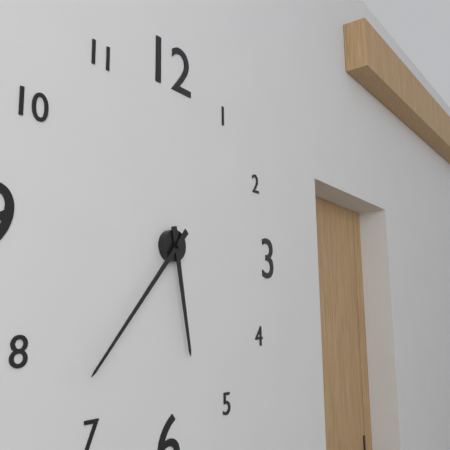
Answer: 5.37
